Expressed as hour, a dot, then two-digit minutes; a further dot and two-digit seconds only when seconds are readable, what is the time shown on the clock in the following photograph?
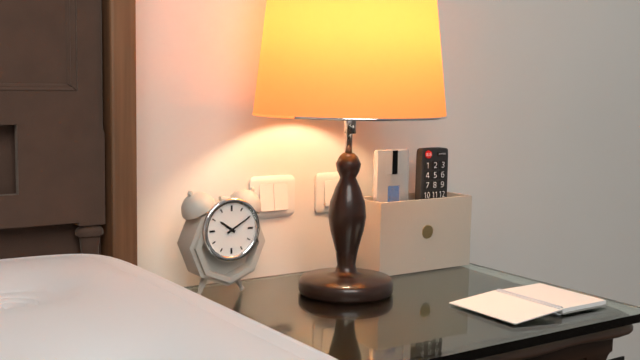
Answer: 10.10
